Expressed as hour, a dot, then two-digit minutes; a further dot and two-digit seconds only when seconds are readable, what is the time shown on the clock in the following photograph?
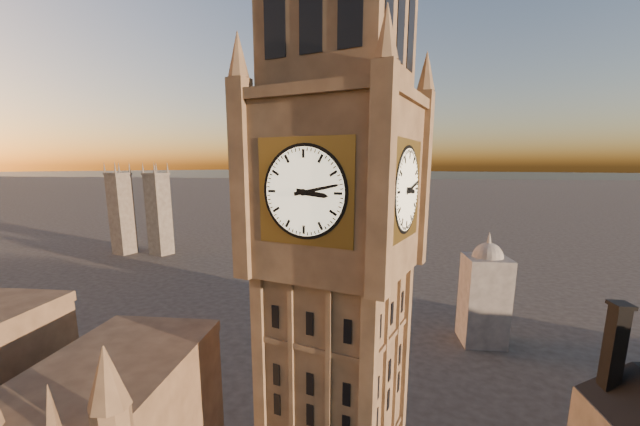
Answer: 3.13
